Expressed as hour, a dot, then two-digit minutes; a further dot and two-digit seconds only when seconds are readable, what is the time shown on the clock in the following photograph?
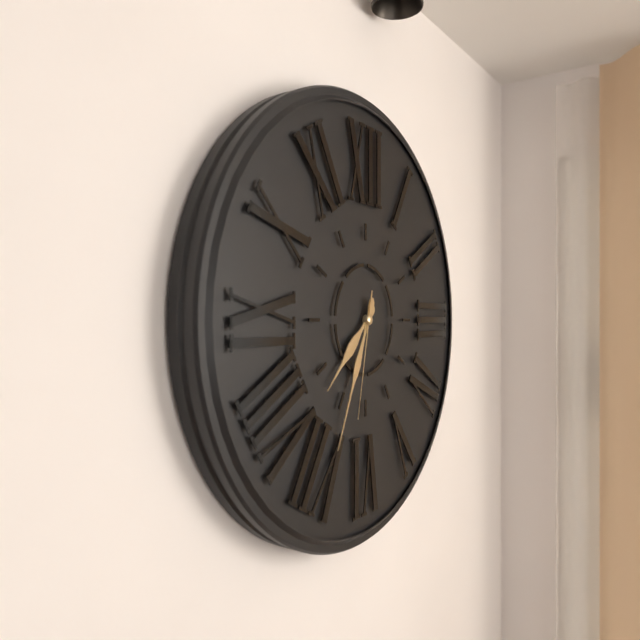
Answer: 7.34.32
